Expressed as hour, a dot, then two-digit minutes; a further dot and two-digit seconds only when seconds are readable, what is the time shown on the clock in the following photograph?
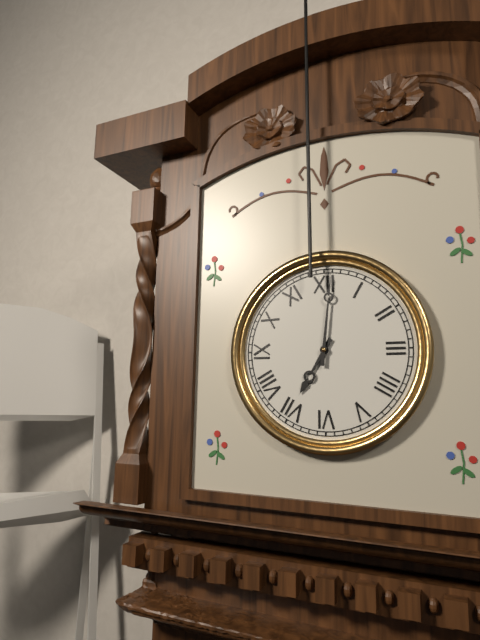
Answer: 7.01
